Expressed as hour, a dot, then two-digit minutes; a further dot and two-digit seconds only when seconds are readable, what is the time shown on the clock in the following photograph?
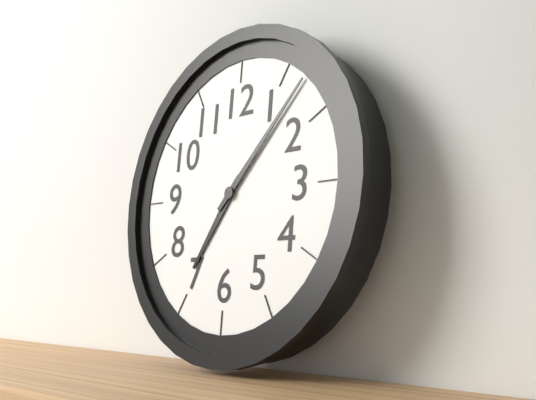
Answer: 7.07
